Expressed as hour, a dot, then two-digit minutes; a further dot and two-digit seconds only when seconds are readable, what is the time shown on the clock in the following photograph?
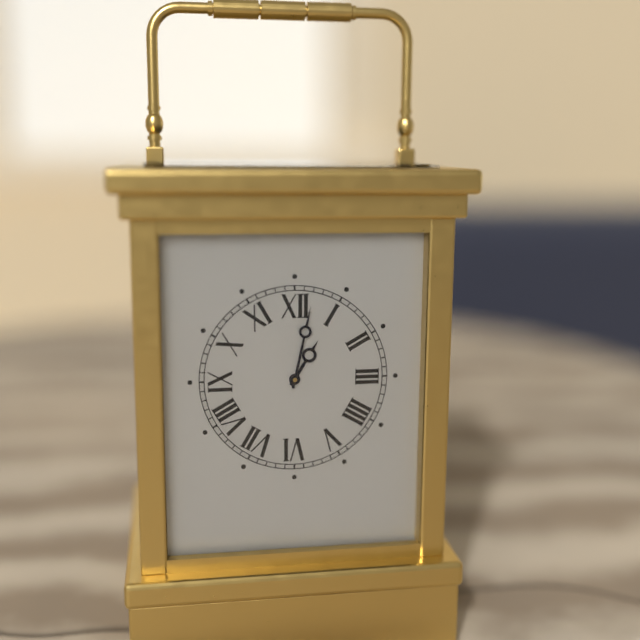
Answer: 1.02
